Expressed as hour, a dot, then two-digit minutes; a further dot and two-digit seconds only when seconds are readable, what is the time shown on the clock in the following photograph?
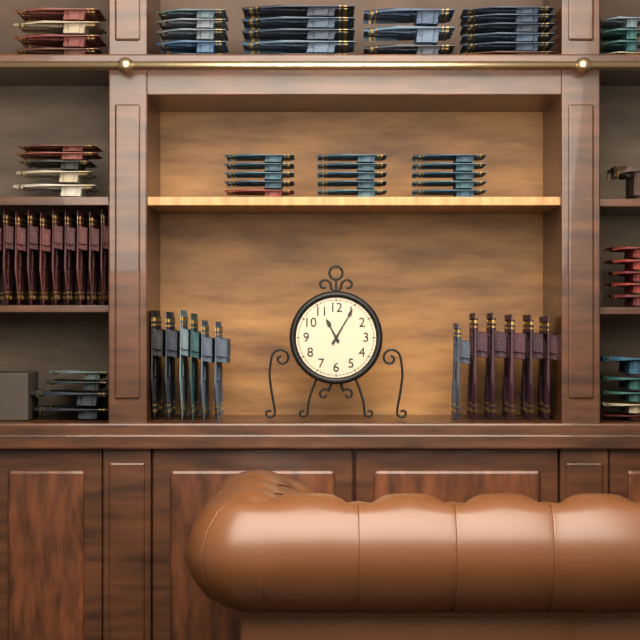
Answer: 11.05
